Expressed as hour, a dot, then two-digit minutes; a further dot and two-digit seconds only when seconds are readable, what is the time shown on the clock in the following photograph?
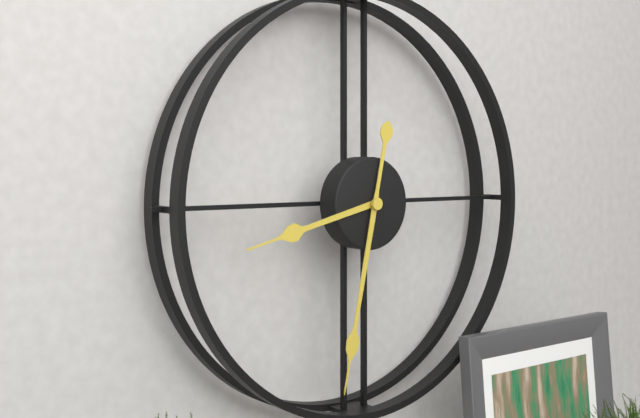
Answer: 8.32
